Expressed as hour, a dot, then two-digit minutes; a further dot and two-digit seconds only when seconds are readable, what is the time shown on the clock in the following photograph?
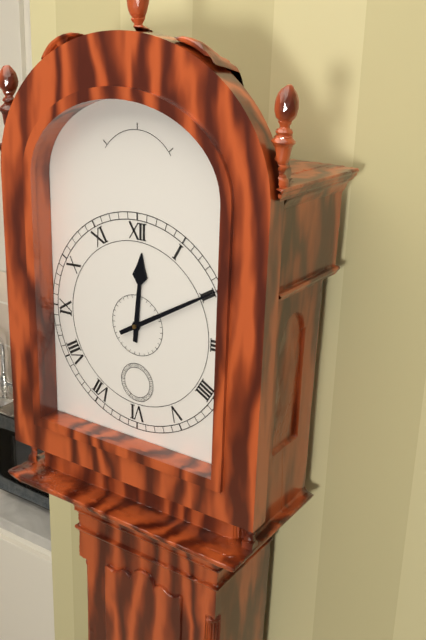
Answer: 12.10
